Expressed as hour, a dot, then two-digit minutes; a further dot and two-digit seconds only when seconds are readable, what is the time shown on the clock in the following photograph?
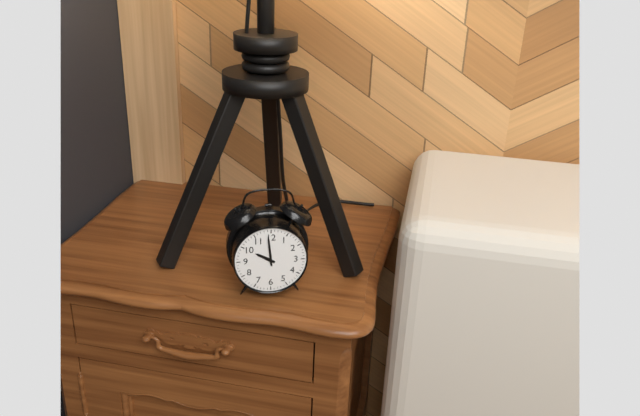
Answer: 9.59
